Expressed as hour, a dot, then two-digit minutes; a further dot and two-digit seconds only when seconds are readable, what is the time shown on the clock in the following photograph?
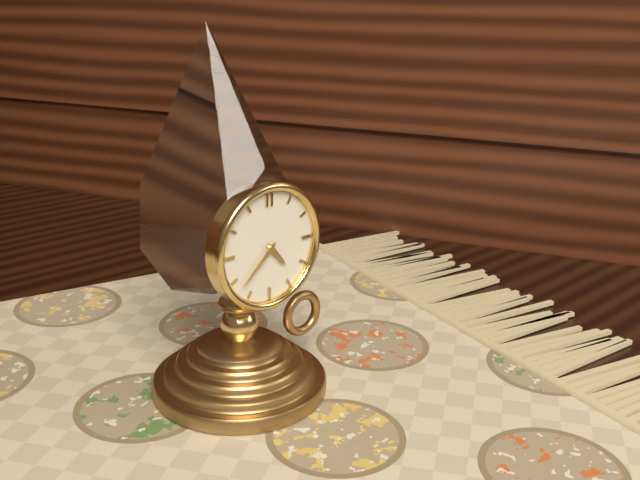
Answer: 4.38
